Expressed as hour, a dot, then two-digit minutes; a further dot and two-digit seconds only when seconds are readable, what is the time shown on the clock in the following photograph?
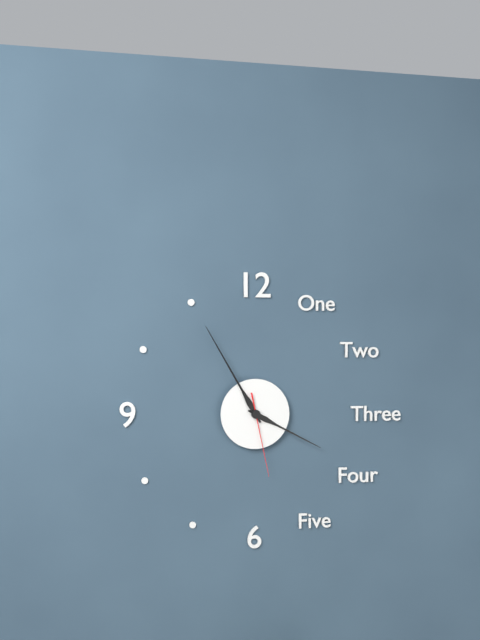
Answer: 3.55.28
